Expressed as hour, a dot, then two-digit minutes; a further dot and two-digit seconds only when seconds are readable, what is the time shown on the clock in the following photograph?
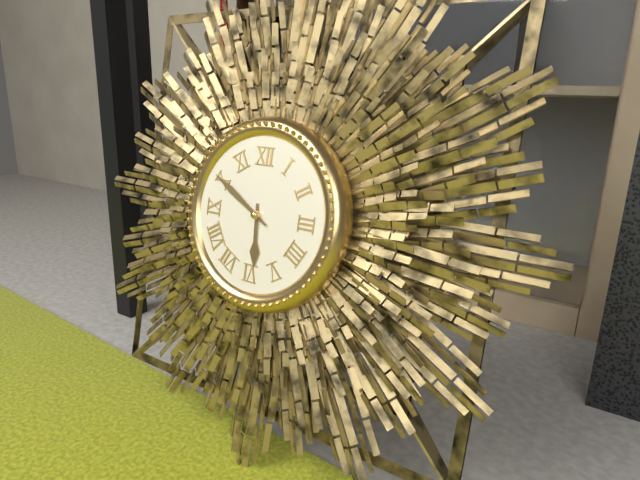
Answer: 5.50
